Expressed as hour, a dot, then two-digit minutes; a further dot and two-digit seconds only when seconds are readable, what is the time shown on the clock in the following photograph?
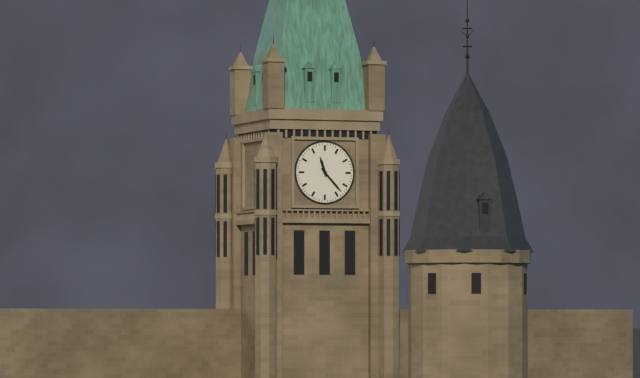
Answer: 11.23
